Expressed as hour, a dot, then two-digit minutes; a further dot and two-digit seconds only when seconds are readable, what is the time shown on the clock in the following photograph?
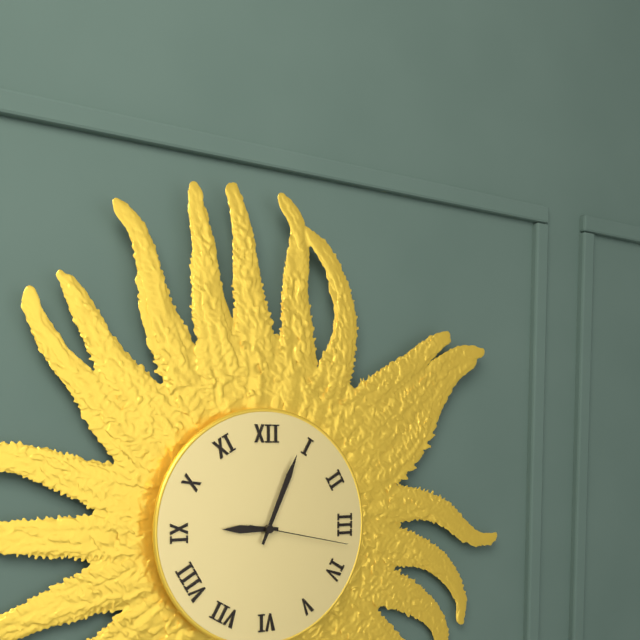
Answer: 9.04.17
